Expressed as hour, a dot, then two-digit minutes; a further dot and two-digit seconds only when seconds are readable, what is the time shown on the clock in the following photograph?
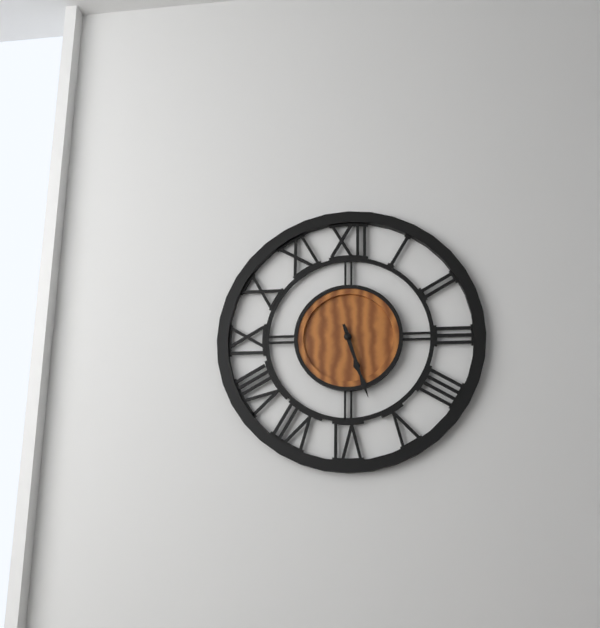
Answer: 5.27
